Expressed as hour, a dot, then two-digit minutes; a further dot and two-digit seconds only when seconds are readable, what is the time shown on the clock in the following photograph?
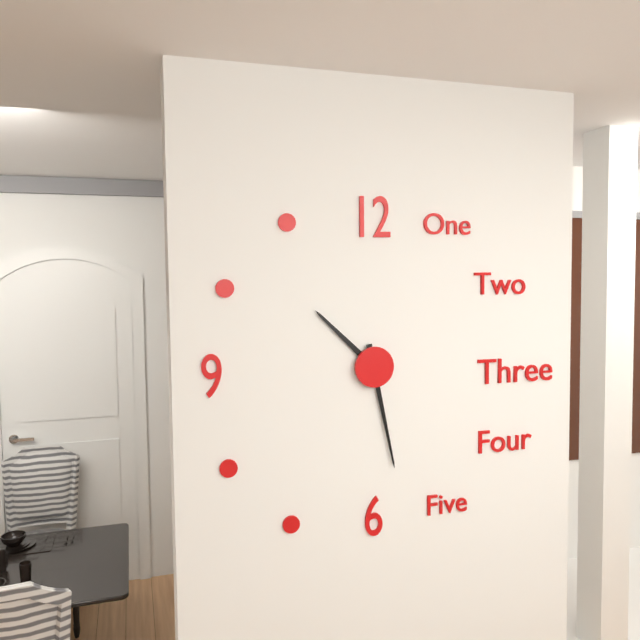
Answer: 10.28
